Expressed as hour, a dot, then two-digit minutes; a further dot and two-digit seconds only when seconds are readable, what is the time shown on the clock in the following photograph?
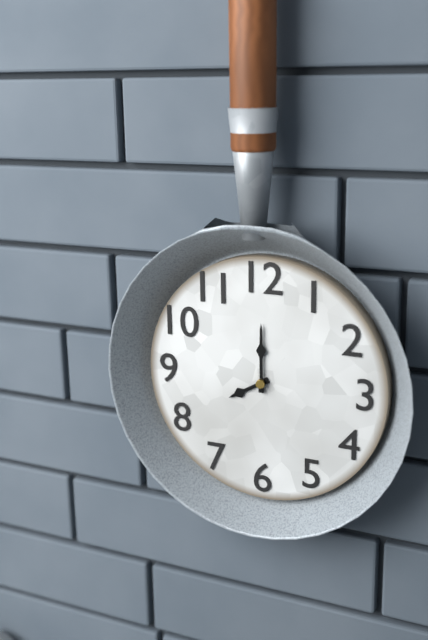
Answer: 8.00
